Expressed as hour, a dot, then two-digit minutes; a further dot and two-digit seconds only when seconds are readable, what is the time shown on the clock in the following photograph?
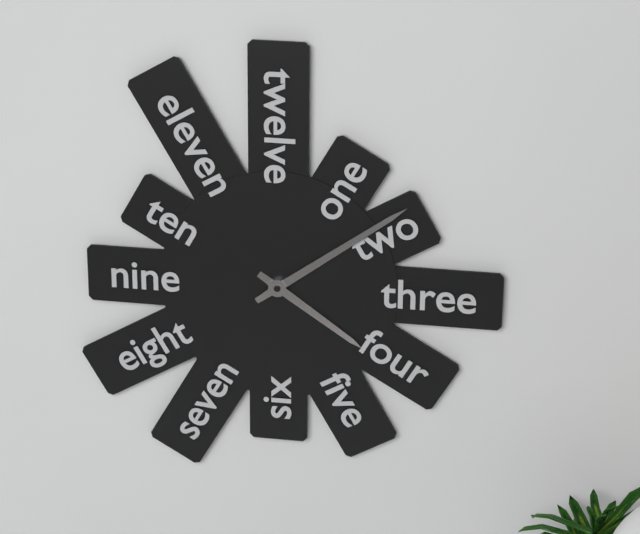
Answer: 4.09
